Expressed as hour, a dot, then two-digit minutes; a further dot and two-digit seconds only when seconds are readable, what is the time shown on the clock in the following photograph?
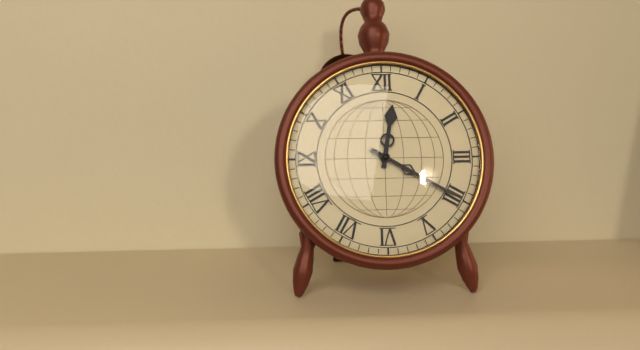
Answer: 12.20
